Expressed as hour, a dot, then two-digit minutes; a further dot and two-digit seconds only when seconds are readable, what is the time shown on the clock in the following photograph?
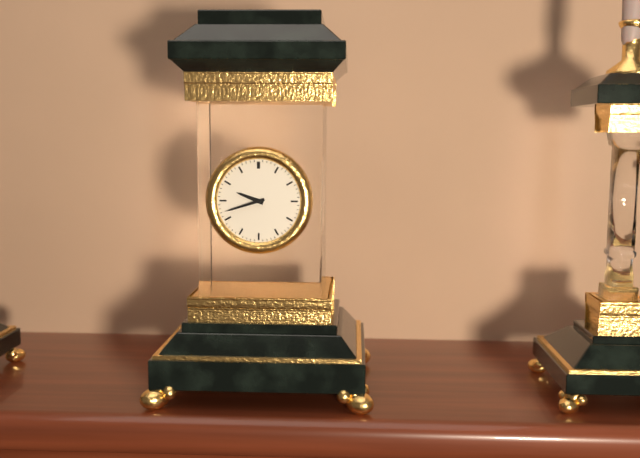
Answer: 9.42
